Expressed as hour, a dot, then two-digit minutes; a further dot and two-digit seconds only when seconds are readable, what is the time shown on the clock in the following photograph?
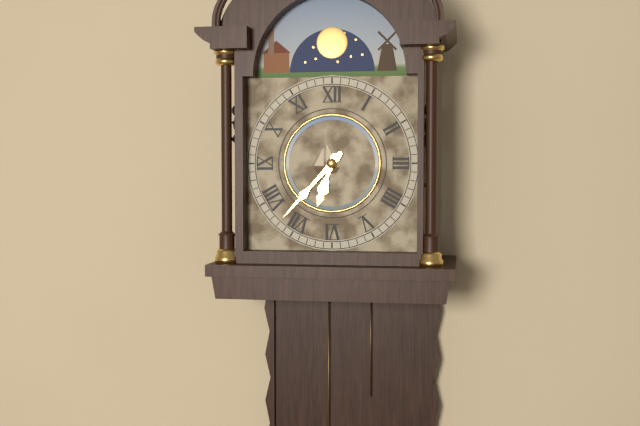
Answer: 6.37
